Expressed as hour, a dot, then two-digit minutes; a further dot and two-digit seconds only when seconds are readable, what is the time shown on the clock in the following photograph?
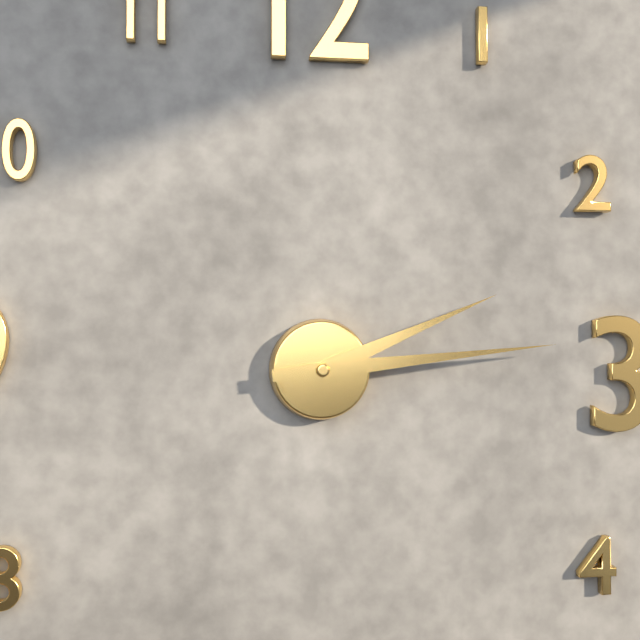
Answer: 2.14
